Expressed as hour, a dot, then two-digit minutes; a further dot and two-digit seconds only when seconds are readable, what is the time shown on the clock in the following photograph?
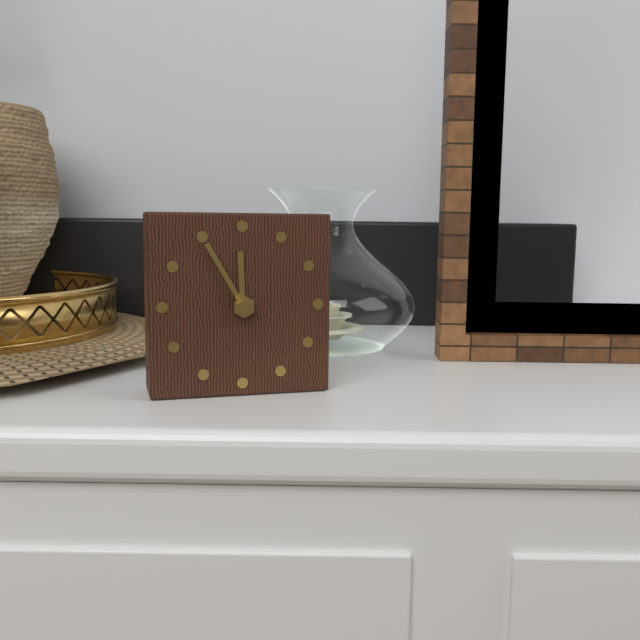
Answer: 11.55
